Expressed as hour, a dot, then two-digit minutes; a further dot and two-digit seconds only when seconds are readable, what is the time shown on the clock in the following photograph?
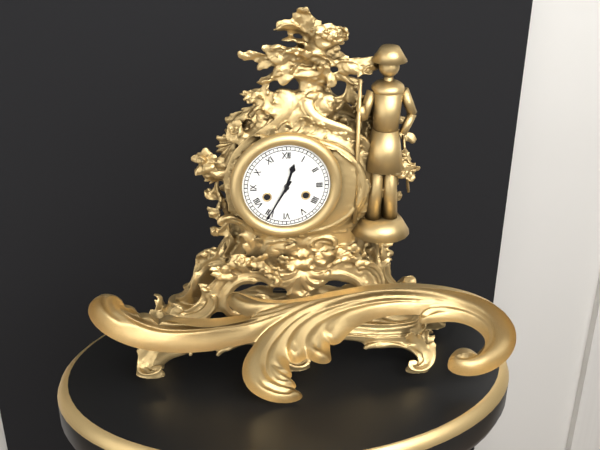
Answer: 12.35
